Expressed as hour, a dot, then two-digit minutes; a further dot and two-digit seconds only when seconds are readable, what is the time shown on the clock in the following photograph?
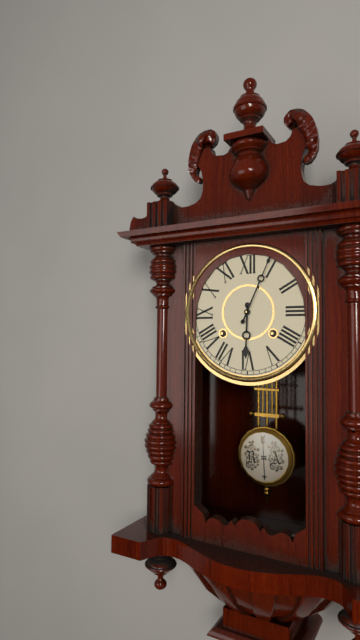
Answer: 6.04
